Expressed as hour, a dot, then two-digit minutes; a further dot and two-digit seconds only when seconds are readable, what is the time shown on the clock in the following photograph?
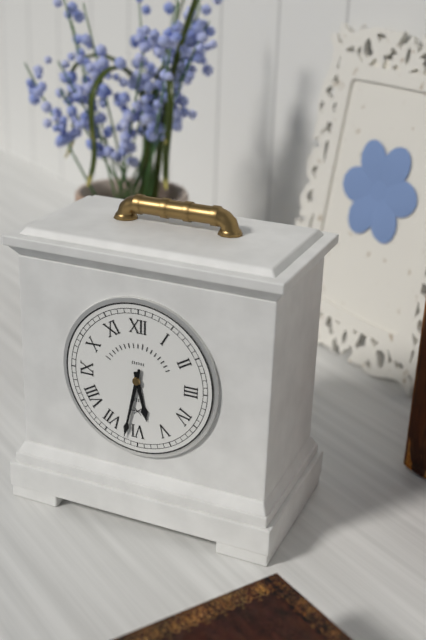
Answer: 5.32
